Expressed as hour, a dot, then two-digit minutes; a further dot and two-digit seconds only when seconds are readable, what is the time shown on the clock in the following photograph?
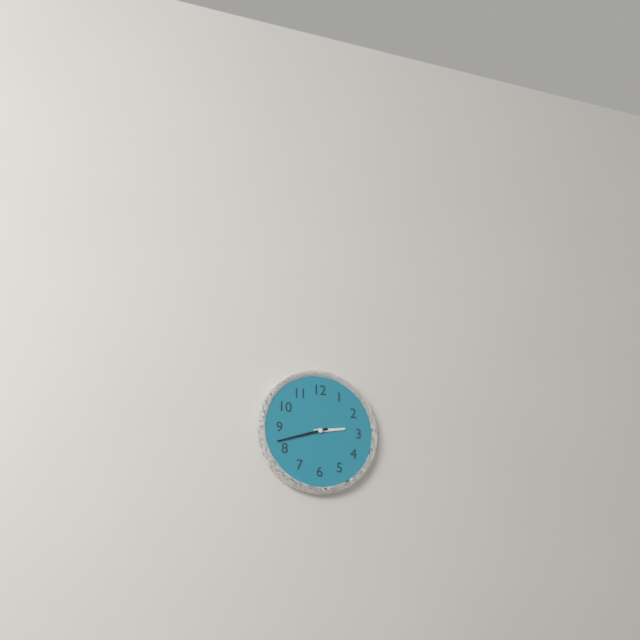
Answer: 2.42
